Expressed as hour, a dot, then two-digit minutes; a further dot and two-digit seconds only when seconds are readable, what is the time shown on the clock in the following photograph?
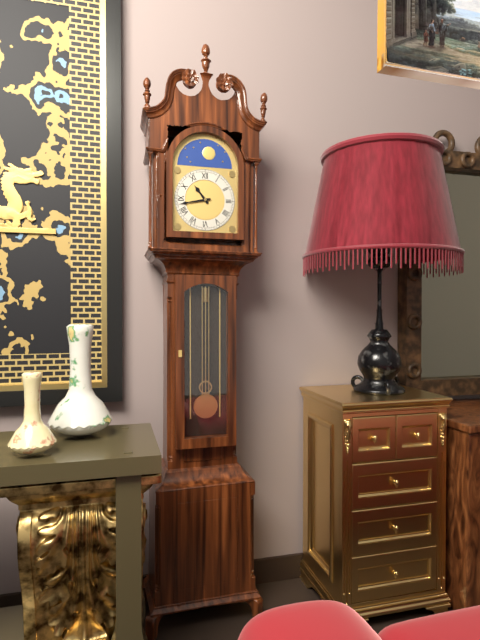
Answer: 10.43
